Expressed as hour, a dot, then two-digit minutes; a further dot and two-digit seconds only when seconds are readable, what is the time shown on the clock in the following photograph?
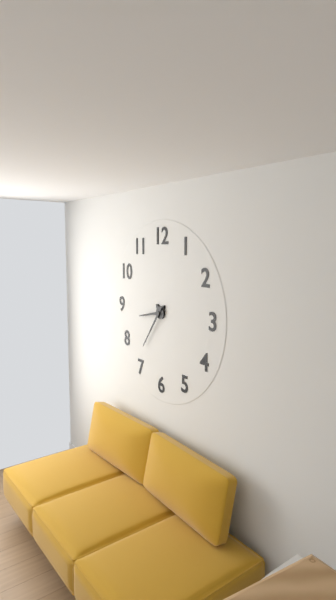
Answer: 8.36
